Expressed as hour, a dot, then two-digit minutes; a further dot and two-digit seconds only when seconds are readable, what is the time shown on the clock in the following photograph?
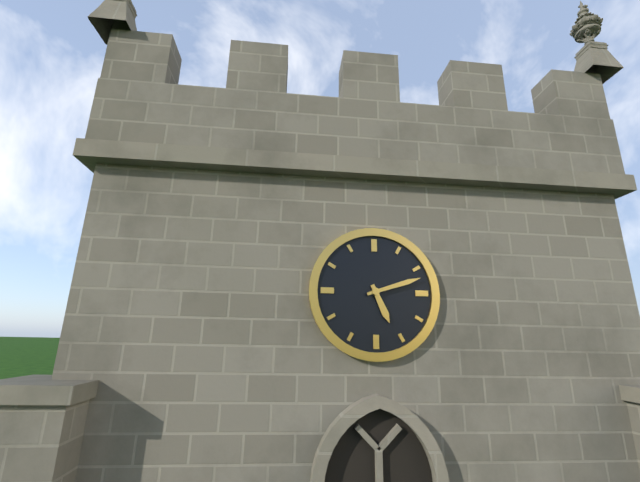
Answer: 5.12
